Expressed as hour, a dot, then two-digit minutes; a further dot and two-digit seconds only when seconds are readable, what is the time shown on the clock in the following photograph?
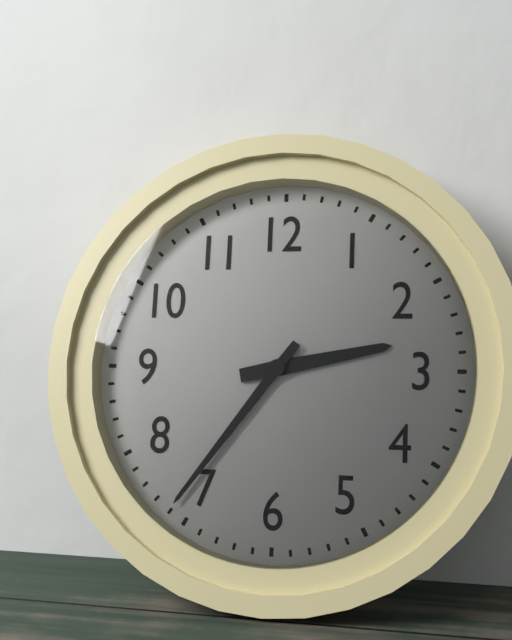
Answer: 2.36
